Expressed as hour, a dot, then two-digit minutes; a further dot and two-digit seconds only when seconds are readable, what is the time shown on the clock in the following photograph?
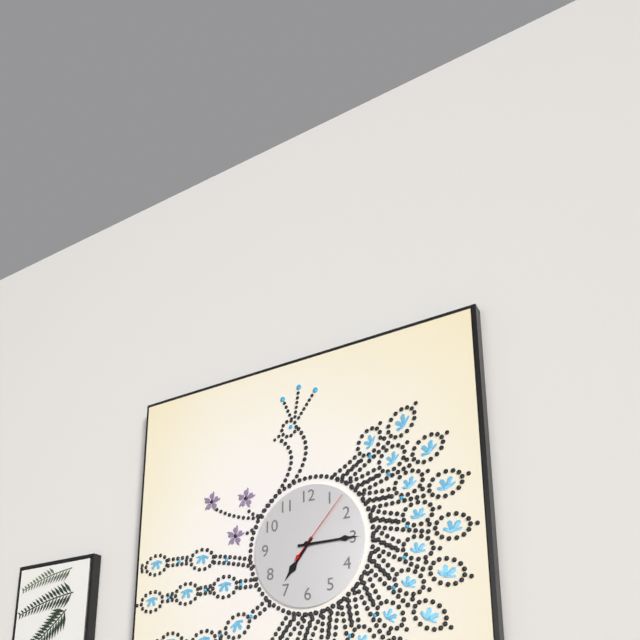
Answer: 7.15.07
